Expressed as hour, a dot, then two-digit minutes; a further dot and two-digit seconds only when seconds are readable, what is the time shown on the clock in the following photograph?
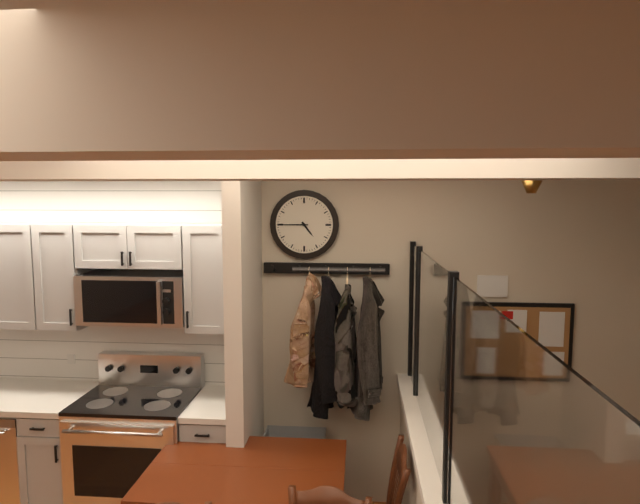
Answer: 4.45
